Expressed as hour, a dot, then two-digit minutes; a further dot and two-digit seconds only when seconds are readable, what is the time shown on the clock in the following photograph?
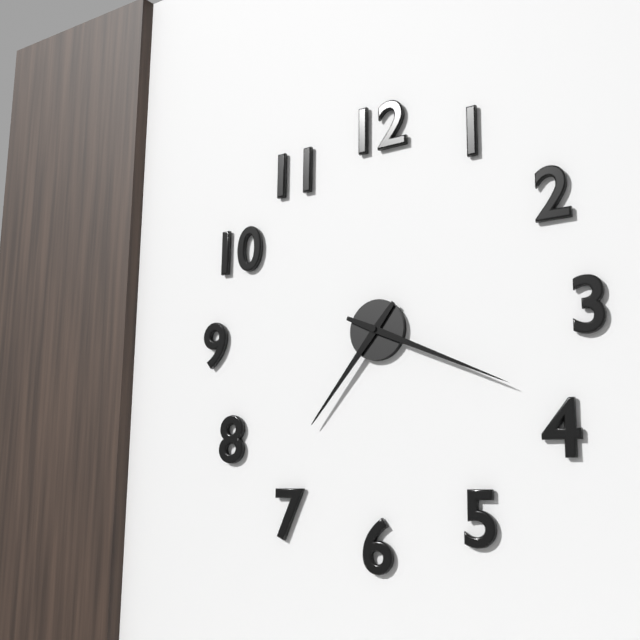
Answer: 7.19
